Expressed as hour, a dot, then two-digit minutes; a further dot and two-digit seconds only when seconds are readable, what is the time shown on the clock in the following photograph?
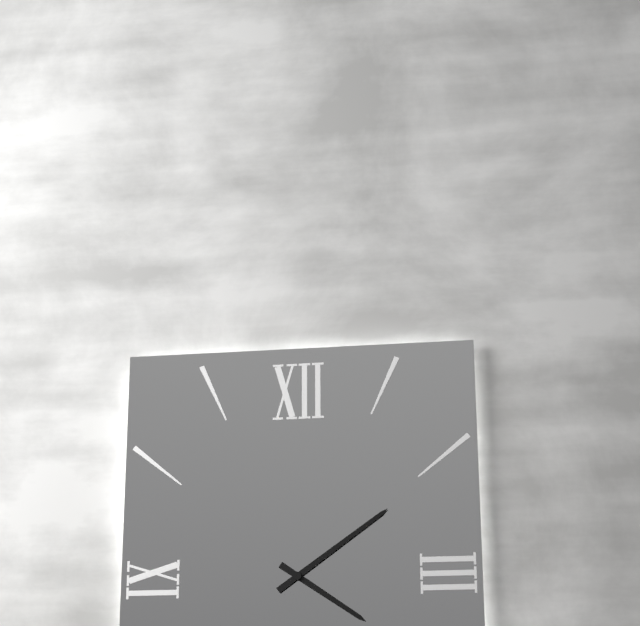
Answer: 4.09
